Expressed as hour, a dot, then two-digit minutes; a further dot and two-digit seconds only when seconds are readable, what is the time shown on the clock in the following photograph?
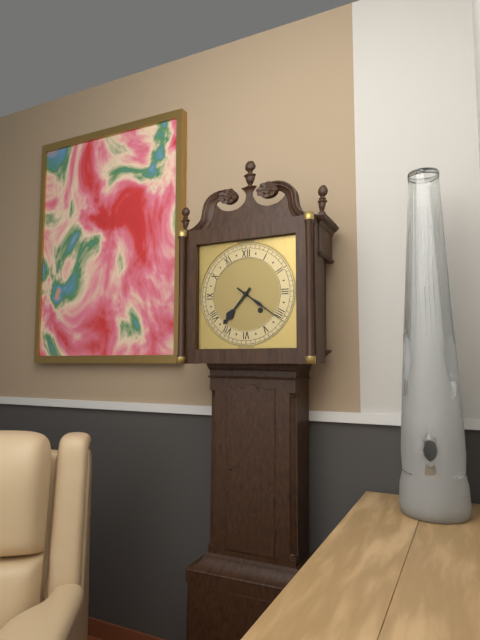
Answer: 7.21
